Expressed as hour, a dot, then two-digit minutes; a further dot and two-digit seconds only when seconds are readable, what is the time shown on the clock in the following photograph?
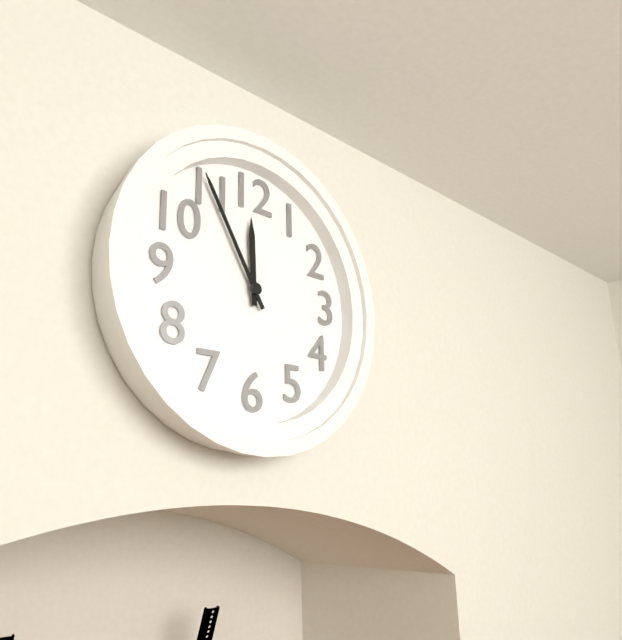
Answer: 11.55
